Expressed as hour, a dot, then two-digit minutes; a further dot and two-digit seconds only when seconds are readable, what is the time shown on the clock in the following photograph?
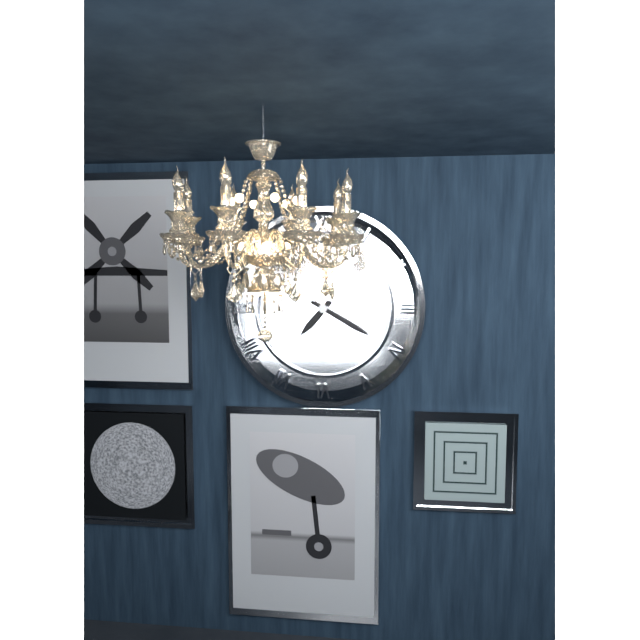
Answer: 7.20
